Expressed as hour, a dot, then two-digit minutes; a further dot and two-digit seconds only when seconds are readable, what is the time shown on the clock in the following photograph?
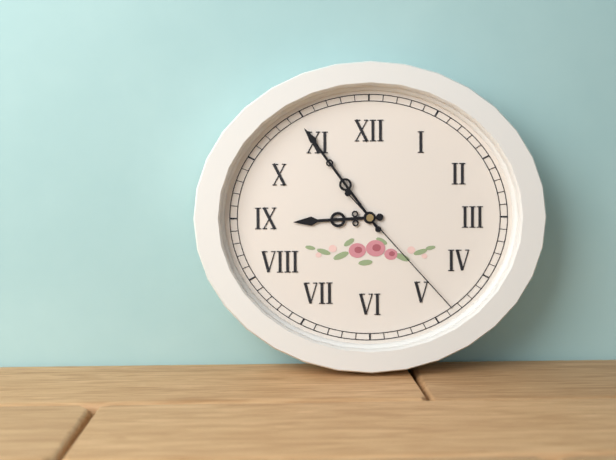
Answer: 8.54.23
